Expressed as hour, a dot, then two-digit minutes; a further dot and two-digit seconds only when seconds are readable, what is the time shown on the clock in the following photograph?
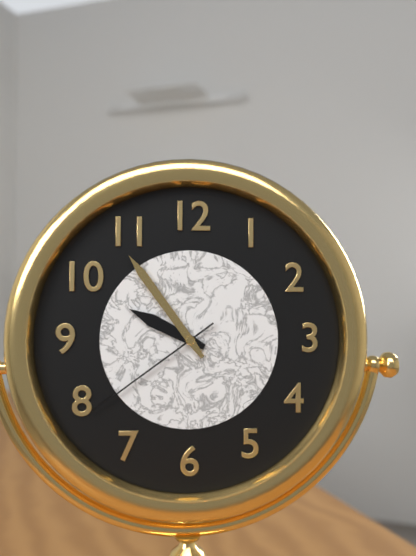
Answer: 9.54.39
